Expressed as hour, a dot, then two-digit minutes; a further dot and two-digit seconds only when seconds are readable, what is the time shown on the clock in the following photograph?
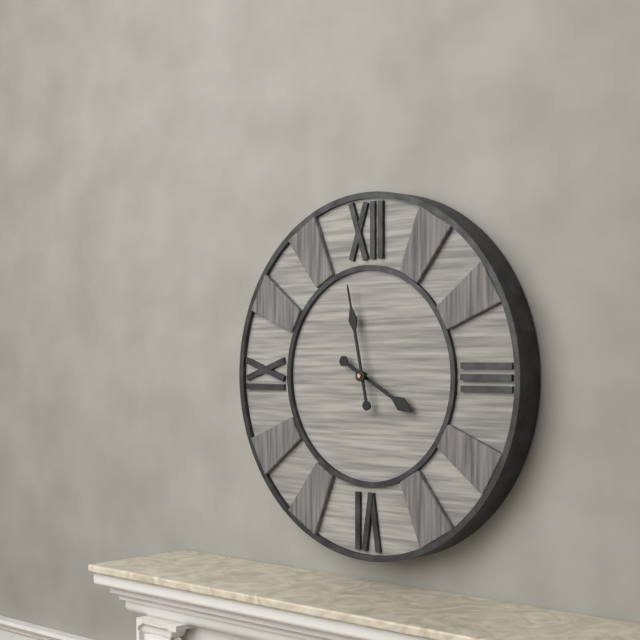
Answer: 3.58
